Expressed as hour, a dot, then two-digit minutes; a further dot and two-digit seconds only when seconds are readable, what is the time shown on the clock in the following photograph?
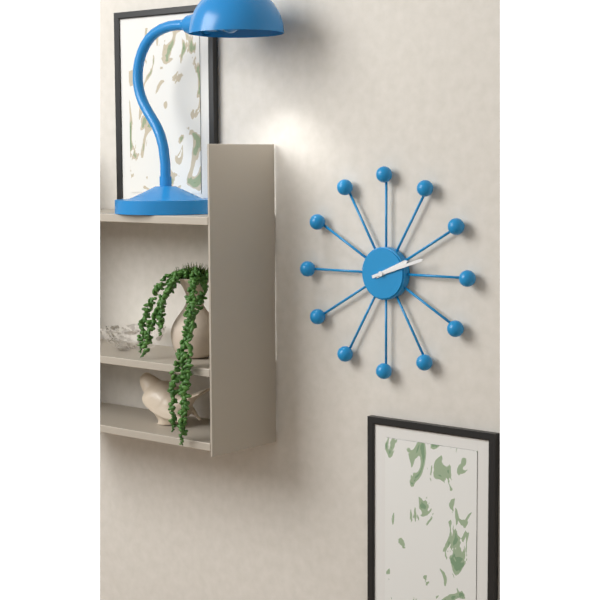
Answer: 2.12
